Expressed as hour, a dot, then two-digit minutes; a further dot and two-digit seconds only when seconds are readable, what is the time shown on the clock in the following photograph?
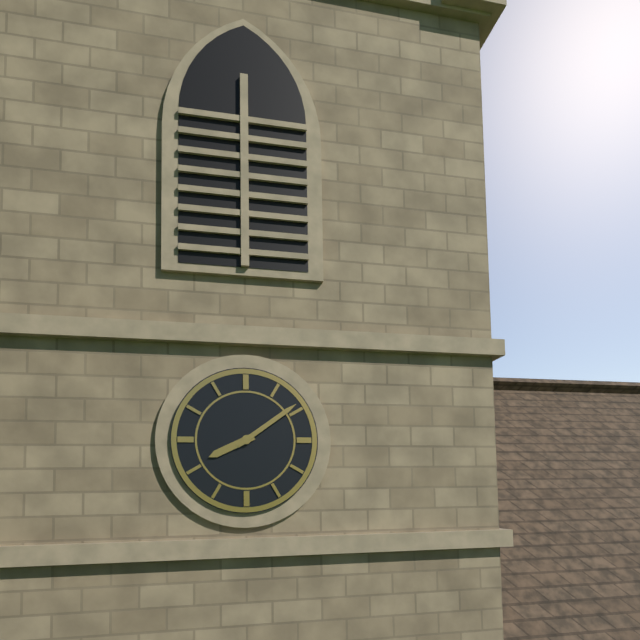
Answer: 8.09
